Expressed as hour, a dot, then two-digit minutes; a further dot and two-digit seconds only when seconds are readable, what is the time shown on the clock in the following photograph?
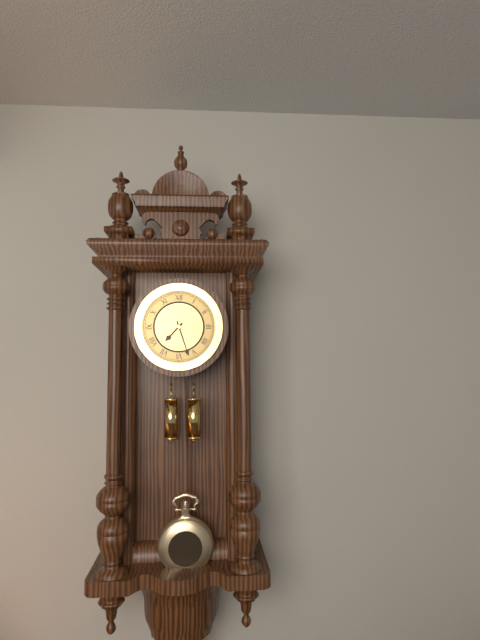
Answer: 7.27
